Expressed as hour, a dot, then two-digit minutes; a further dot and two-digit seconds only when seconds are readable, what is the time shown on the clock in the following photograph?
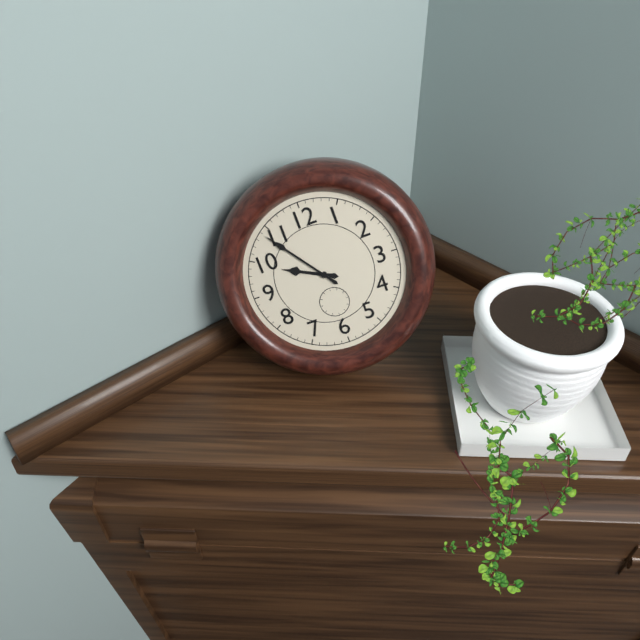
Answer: 9.54
